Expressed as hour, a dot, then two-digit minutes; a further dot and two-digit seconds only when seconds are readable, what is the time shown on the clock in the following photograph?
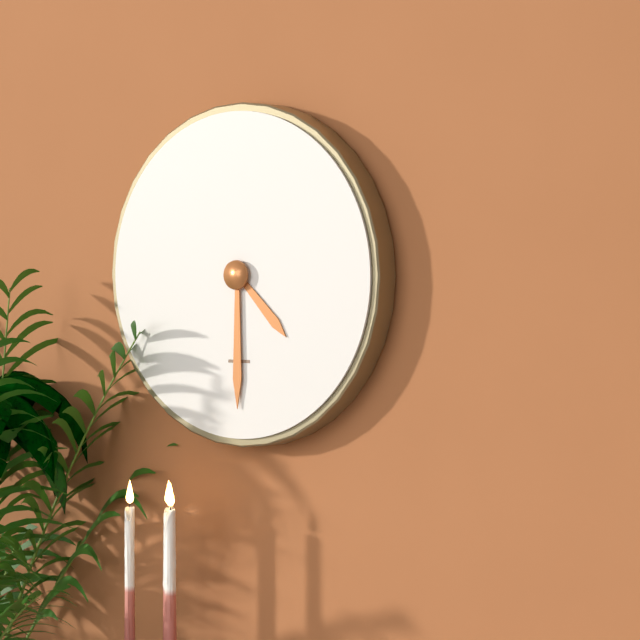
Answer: 4.30
